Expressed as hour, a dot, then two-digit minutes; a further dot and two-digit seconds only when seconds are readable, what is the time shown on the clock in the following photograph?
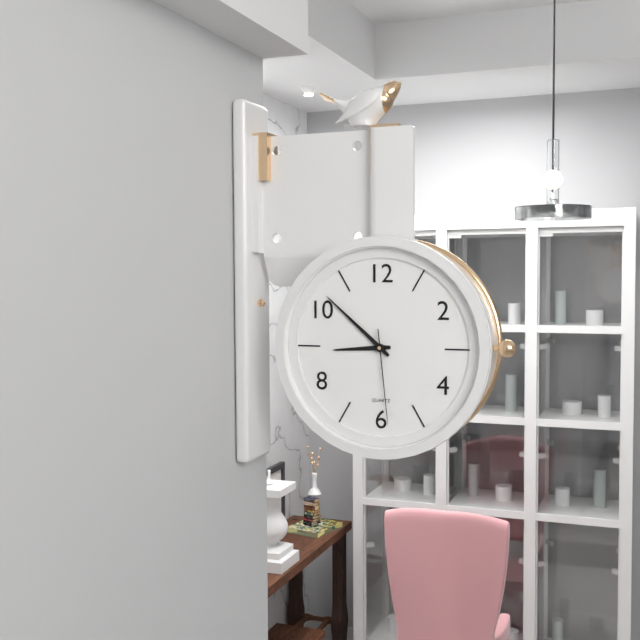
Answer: 8.52.29
